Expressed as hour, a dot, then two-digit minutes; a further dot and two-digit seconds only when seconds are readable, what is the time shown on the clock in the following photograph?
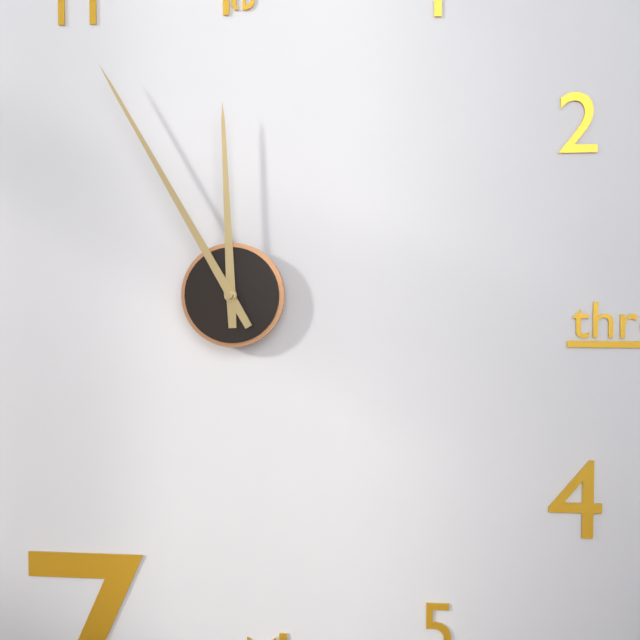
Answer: 11.55
